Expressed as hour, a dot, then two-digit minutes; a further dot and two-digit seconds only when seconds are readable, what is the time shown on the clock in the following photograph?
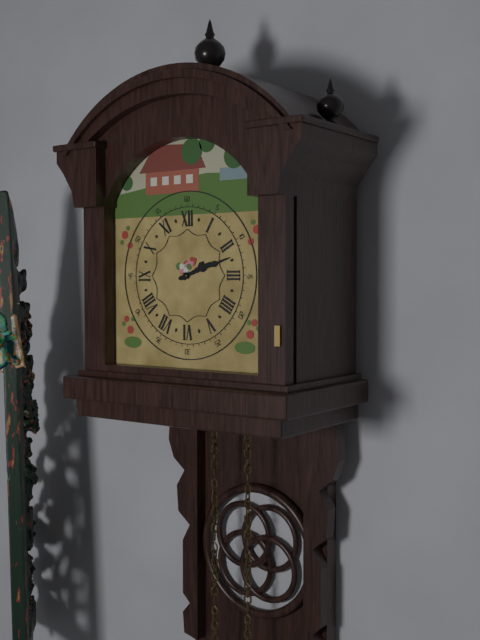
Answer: 2.12
